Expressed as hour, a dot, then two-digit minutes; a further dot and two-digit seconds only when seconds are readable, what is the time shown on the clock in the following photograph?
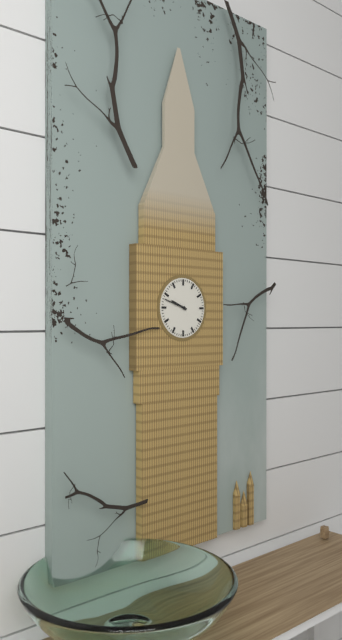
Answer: 9.48
